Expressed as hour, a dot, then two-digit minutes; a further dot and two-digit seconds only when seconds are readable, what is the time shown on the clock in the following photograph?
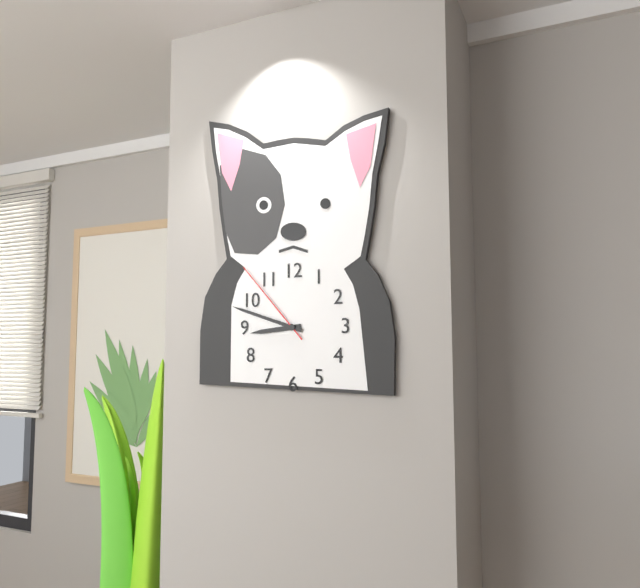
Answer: 8.48.53
